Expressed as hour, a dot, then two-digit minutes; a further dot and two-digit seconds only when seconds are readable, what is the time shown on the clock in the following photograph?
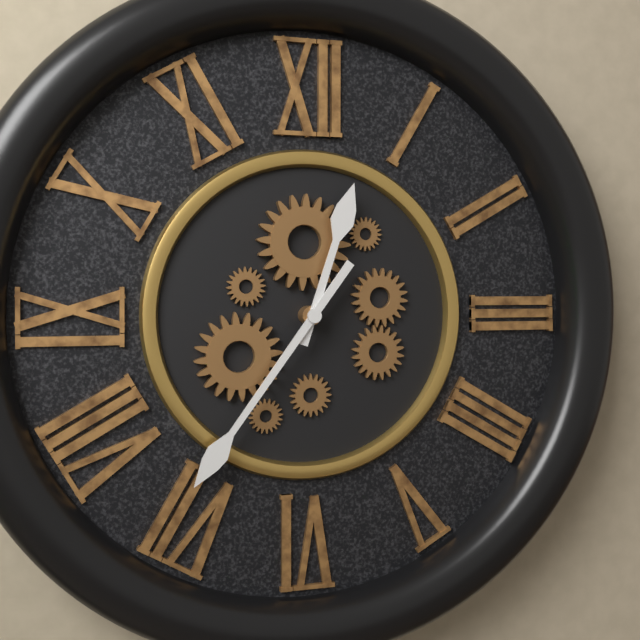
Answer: 12.36
